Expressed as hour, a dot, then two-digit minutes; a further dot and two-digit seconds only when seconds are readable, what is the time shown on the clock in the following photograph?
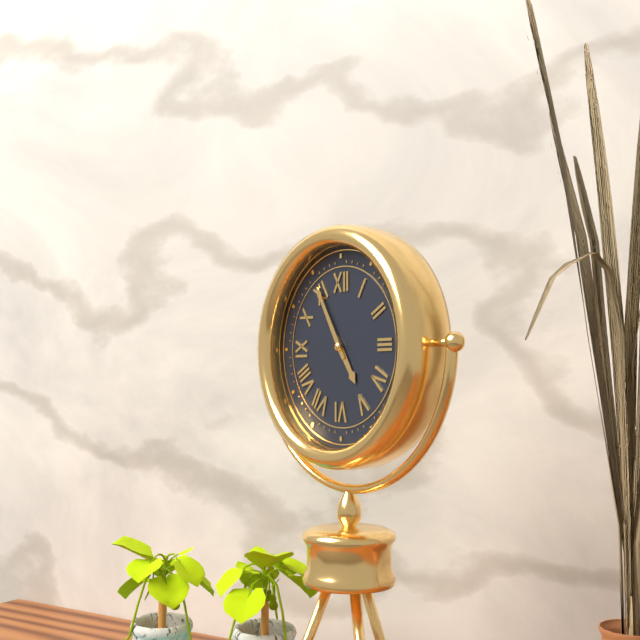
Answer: 4.55
